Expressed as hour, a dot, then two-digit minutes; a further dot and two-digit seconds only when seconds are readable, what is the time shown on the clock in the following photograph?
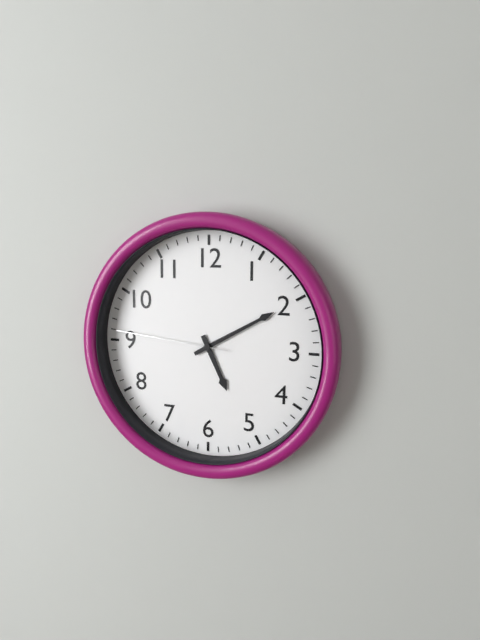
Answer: 5.10.46
